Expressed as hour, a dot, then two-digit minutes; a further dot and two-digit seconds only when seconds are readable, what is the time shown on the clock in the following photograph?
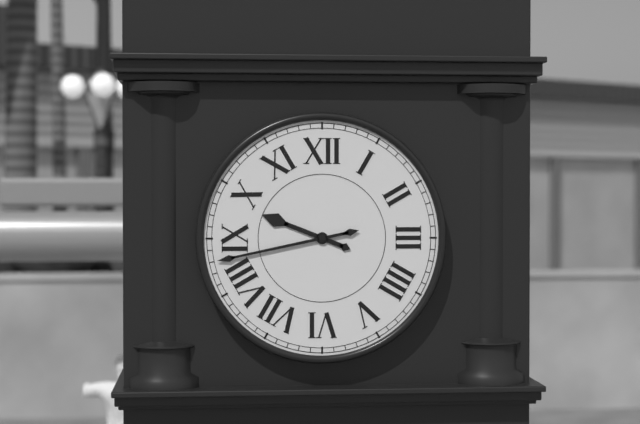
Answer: 9.43
